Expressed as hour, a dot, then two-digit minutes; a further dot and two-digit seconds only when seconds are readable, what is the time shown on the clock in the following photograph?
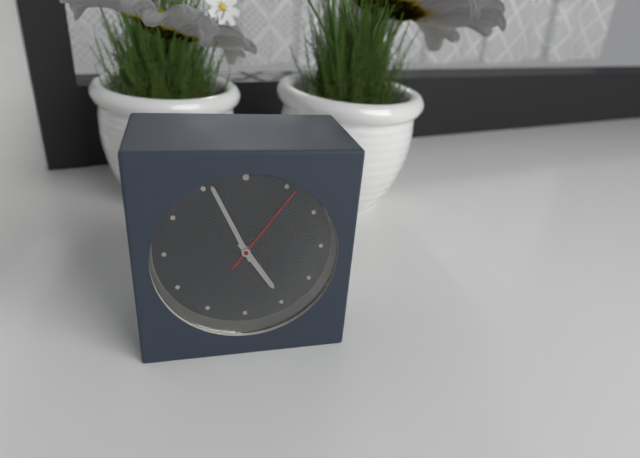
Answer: 4.56.06
